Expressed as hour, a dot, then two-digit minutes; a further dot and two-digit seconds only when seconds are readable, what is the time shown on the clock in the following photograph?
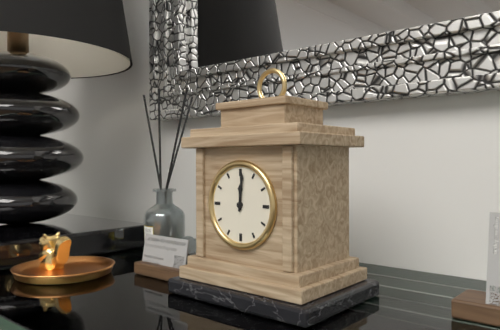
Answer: 12.01
